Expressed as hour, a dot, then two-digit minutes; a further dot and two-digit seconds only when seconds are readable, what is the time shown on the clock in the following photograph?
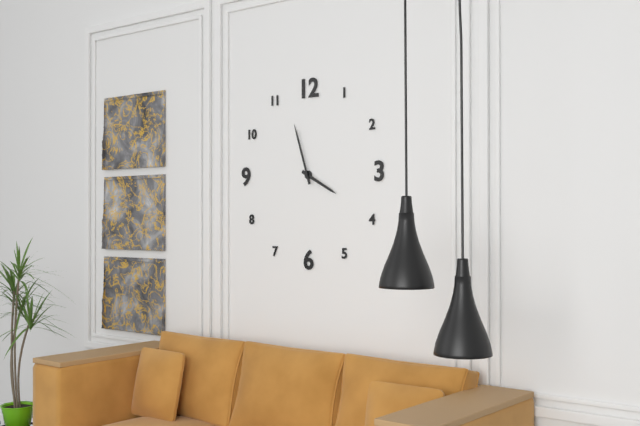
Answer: 3.57
